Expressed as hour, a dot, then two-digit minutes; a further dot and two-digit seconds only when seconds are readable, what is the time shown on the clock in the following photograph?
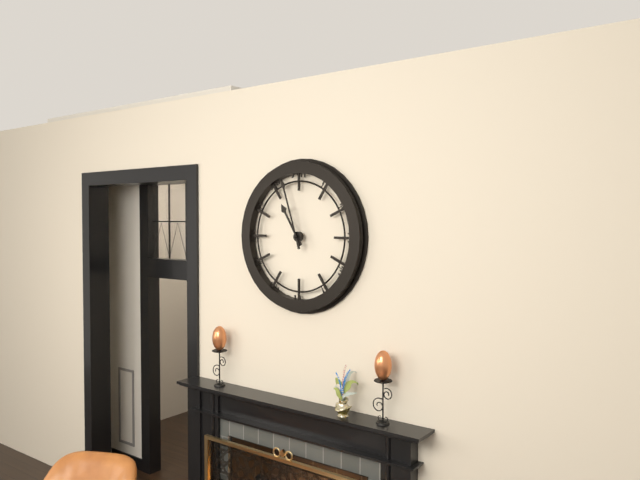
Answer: 10.57
